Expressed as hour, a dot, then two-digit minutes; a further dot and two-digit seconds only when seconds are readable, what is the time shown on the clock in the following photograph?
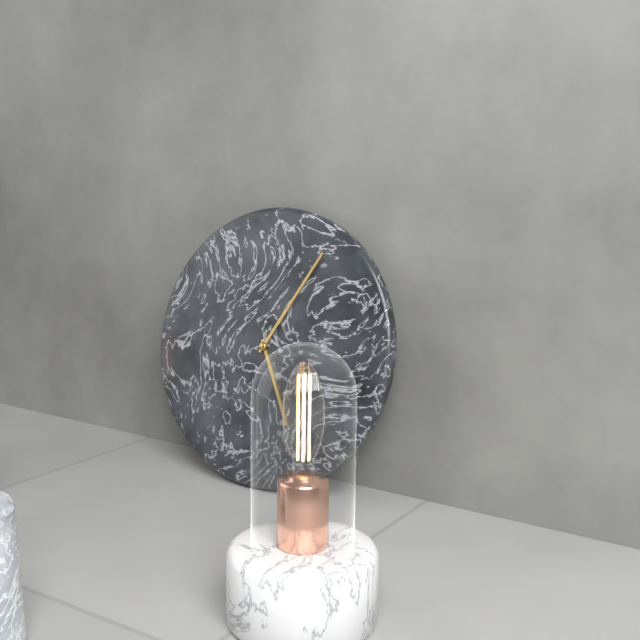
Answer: 5.05
